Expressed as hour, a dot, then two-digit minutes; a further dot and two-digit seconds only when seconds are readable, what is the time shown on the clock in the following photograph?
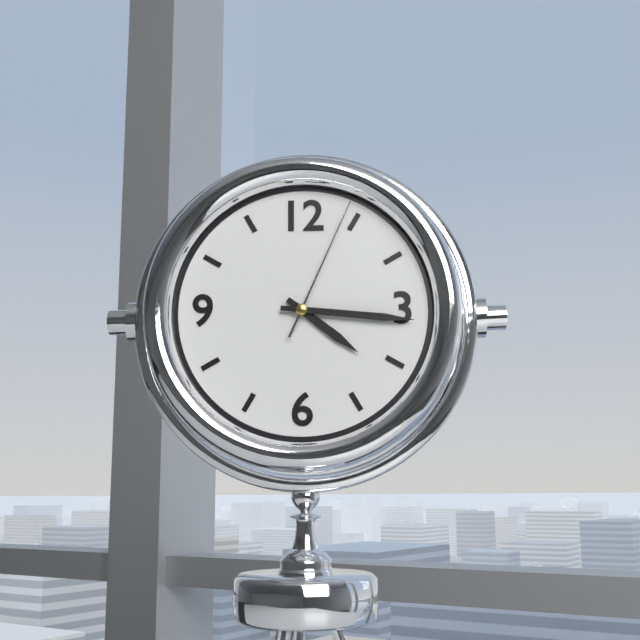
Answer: 4.16.04
